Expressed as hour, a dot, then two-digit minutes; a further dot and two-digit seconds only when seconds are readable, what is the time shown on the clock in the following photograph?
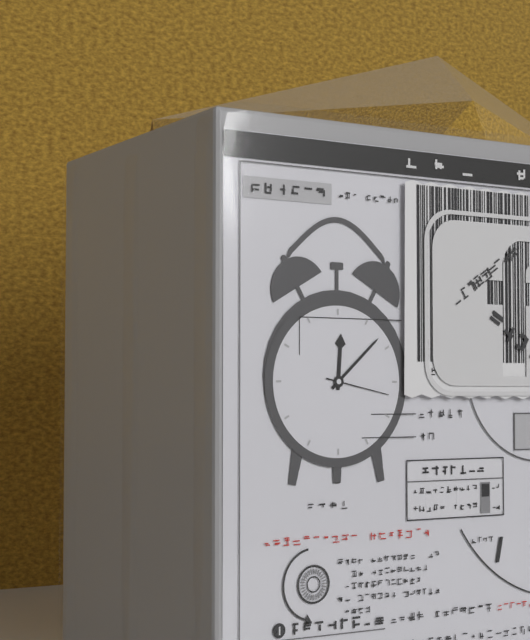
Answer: 12.08.17
